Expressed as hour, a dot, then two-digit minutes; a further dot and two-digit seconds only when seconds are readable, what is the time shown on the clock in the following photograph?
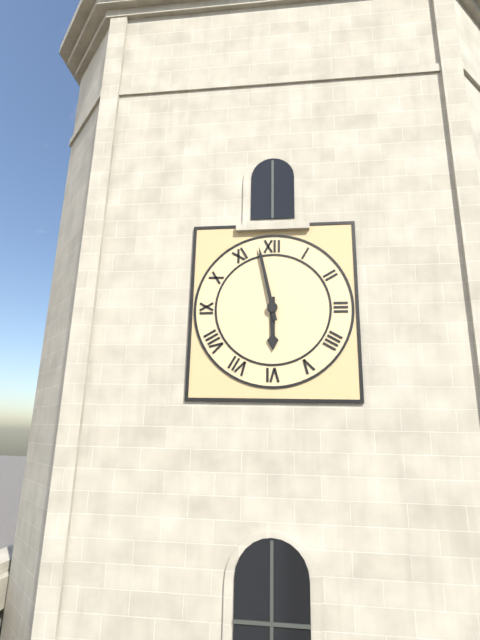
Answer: 5.58
